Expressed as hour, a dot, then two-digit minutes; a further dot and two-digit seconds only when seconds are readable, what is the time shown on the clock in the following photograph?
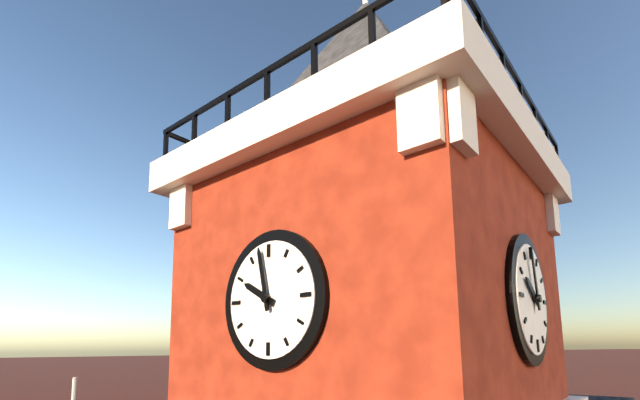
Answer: 9.58
